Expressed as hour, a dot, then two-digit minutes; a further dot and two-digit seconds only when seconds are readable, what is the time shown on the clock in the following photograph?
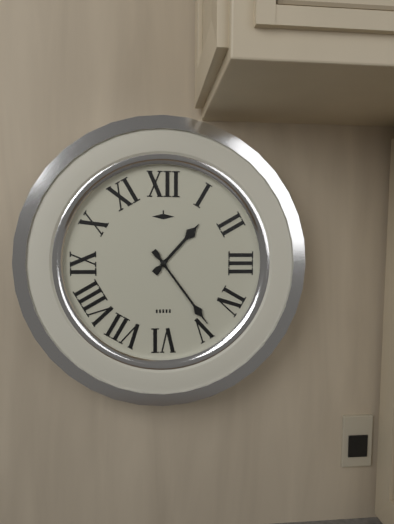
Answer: 1.24
